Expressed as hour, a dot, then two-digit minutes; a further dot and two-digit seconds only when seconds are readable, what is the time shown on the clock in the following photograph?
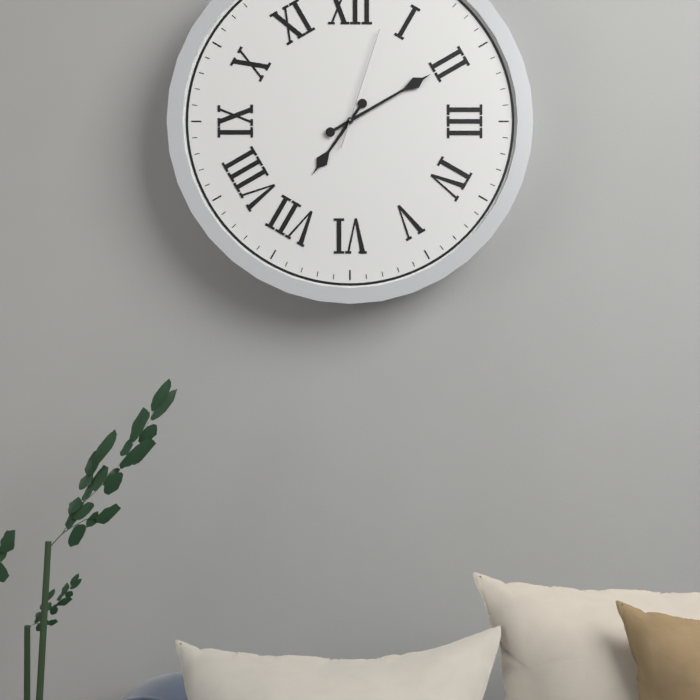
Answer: 7.10.03
